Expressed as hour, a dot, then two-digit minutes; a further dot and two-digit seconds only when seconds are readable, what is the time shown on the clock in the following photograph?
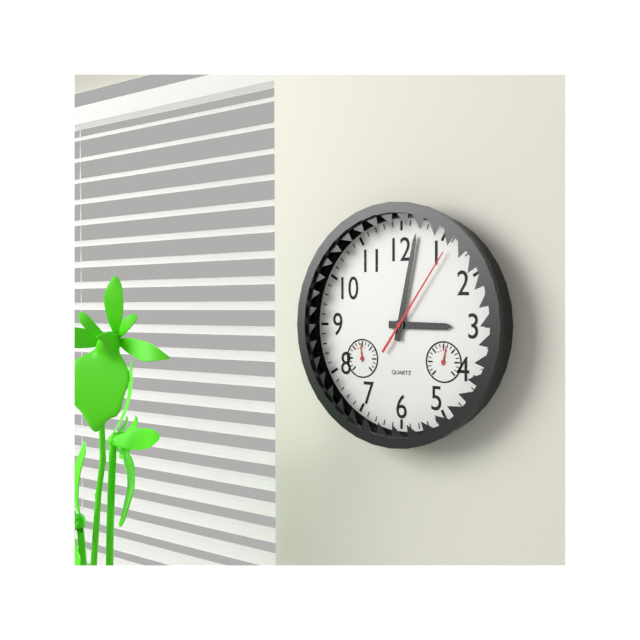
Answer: 3.02.06
